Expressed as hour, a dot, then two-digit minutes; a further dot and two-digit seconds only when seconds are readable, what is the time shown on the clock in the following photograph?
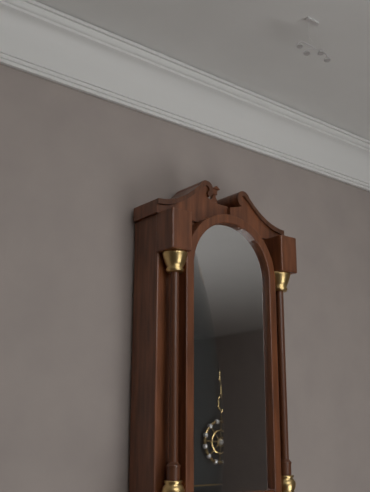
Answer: 1.05
